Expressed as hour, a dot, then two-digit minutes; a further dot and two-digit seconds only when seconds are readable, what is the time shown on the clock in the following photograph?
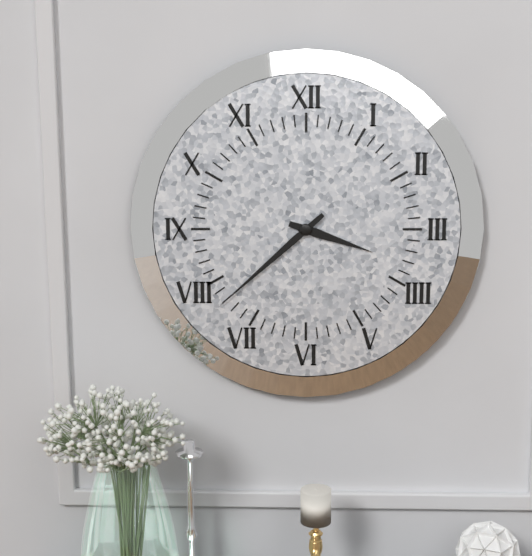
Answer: 3.38
